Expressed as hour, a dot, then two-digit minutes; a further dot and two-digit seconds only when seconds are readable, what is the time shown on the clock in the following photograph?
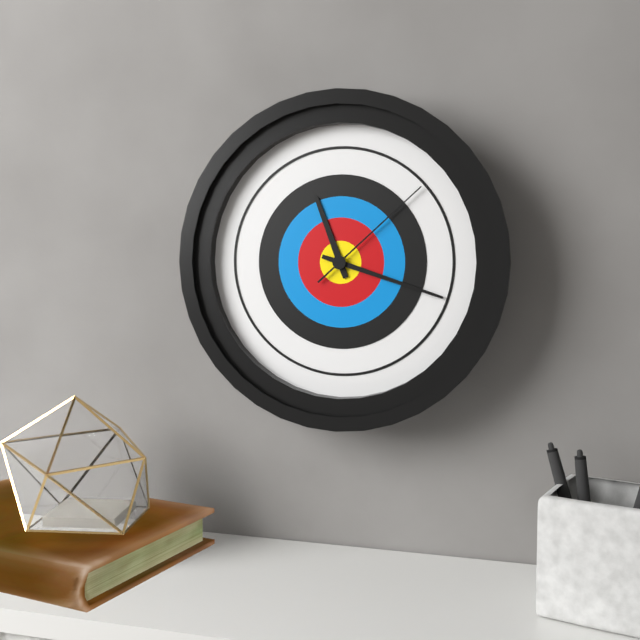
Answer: 11.18.08
